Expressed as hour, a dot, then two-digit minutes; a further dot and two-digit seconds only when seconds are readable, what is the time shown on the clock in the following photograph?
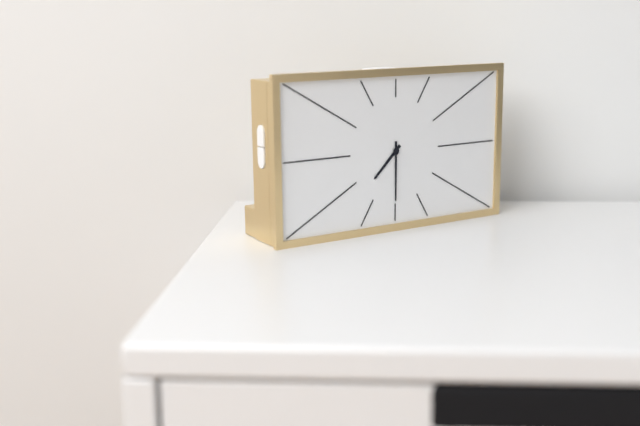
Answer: 7.30
